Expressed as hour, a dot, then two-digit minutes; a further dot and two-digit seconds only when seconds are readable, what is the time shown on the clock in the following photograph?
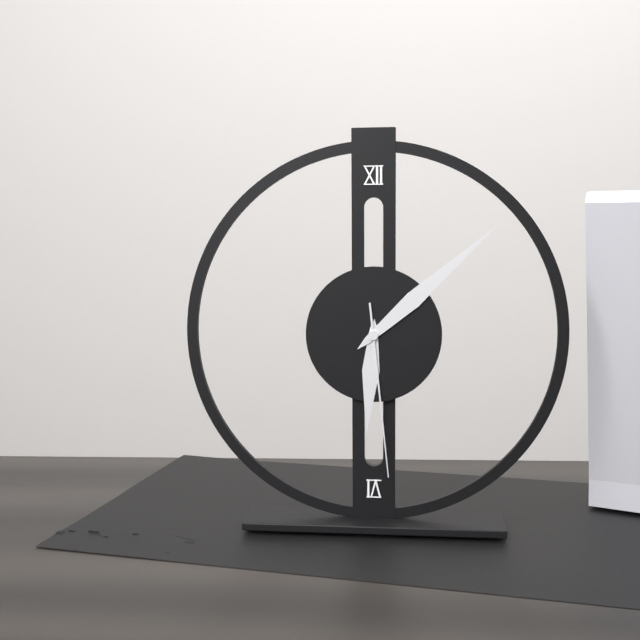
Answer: 6.08.29
